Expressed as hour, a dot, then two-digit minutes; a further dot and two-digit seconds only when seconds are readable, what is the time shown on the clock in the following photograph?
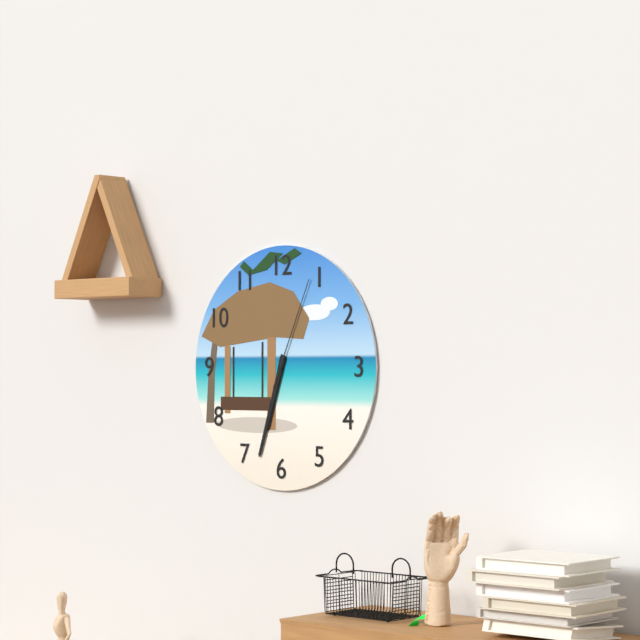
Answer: 6.33.04
